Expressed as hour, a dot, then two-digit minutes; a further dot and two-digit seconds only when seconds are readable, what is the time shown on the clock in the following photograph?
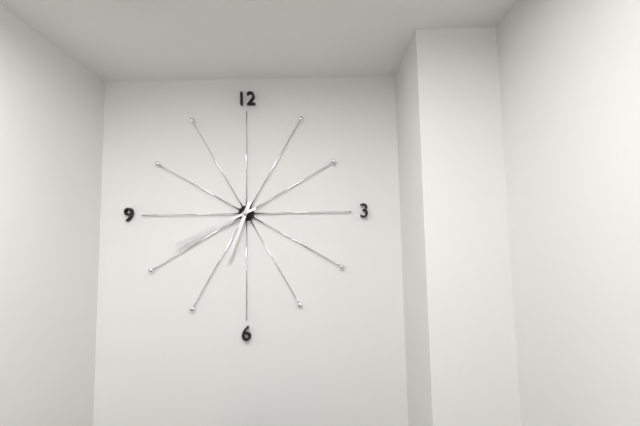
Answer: 6.41
